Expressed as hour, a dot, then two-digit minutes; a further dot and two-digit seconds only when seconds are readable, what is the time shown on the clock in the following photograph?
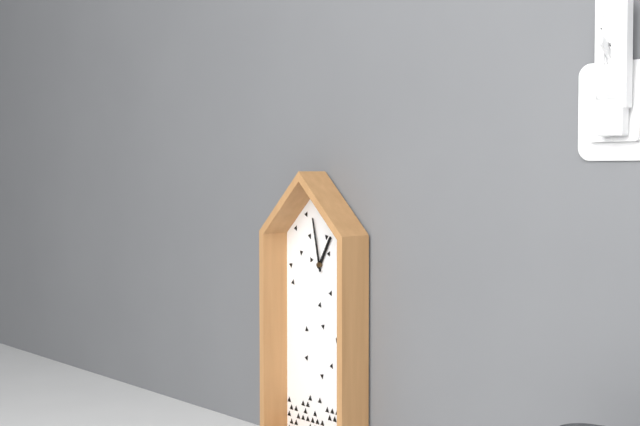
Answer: 12.58
